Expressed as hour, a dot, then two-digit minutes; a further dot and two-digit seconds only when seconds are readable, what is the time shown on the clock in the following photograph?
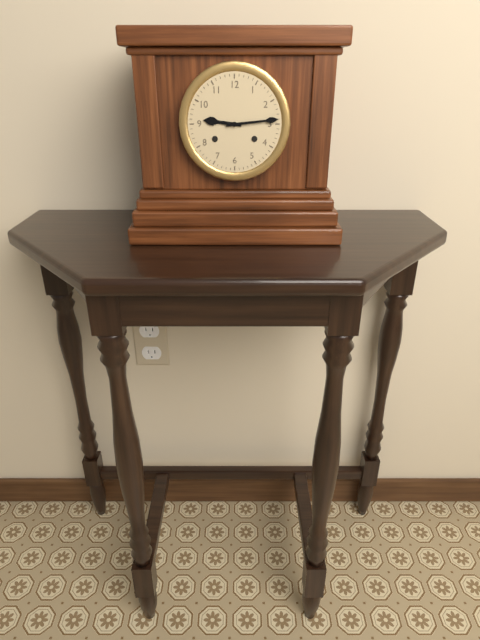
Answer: 9.14
